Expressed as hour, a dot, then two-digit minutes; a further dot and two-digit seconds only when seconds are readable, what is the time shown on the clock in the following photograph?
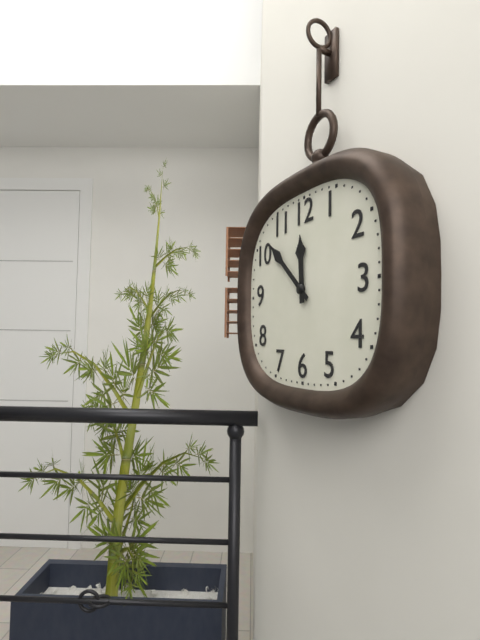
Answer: 11.52
